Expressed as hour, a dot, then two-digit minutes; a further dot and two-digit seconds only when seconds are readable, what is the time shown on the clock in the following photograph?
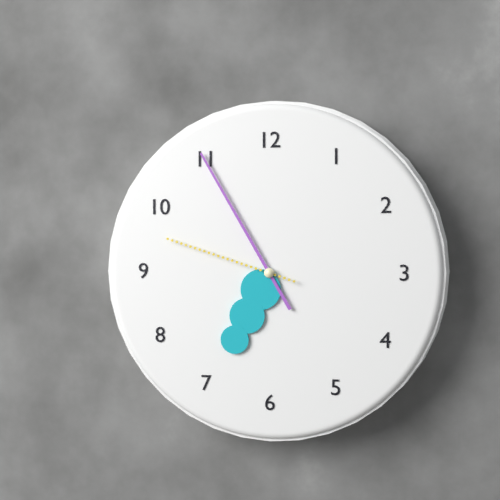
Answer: 6.55.48
